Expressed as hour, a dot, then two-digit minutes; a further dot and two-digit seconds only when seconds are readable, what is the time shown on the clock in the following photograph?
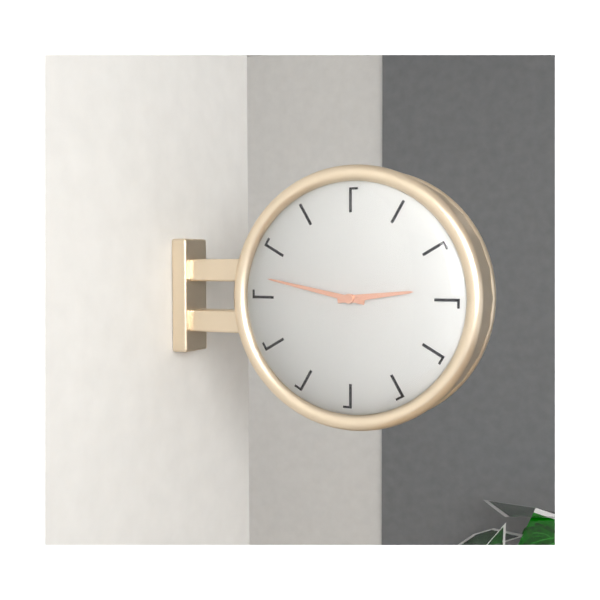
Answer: 2.47
